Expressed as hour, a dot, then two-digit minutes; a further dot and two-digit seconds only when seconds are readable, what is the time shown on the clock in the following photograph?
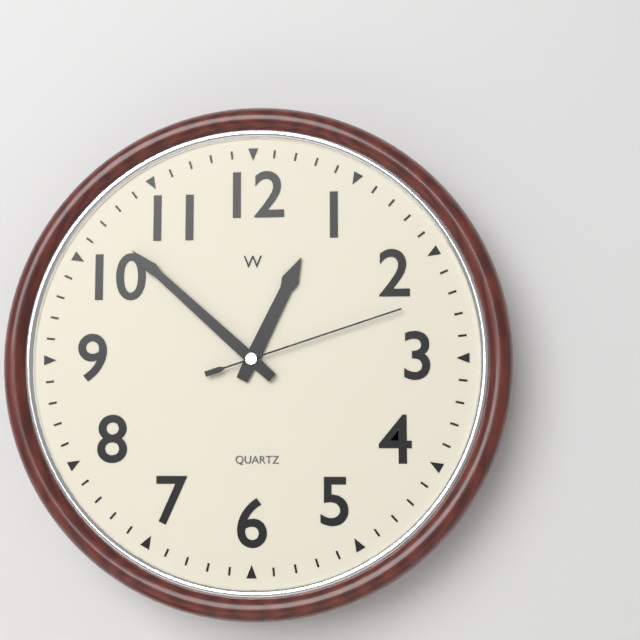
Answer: 12.52.12
